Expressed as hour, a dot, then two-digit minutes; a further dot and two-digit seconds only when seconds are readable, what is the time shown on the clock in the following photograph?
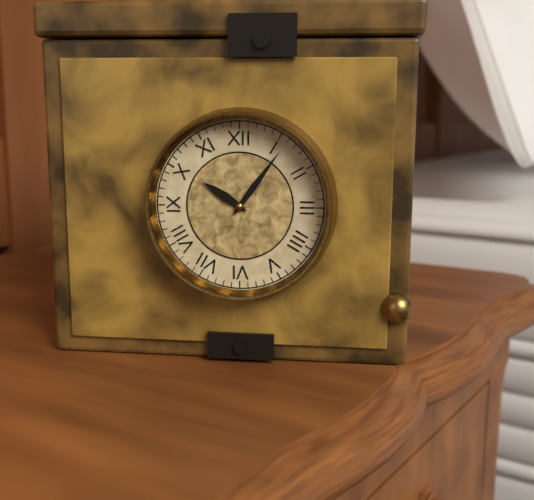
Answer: 10.06
